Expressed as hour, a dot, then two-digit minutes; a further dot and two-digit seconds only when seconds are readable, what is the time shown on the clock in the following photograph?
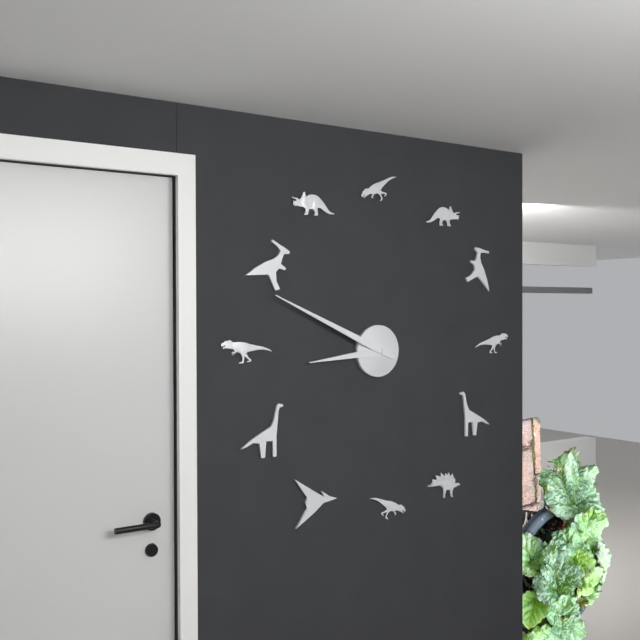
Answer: 8.49
